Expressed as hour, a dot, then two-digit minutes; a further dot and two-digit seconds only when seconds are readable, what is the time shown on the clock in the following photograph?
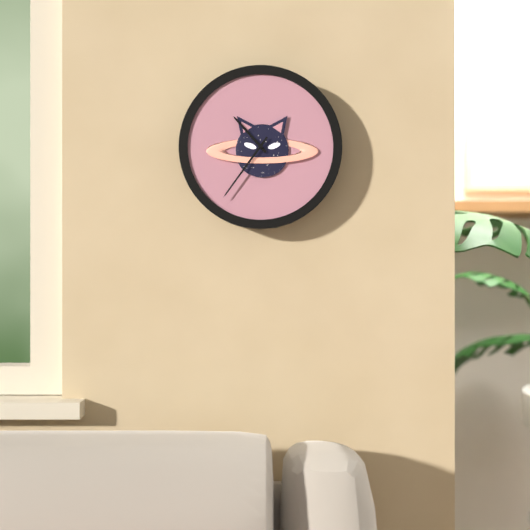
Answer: 10.36
